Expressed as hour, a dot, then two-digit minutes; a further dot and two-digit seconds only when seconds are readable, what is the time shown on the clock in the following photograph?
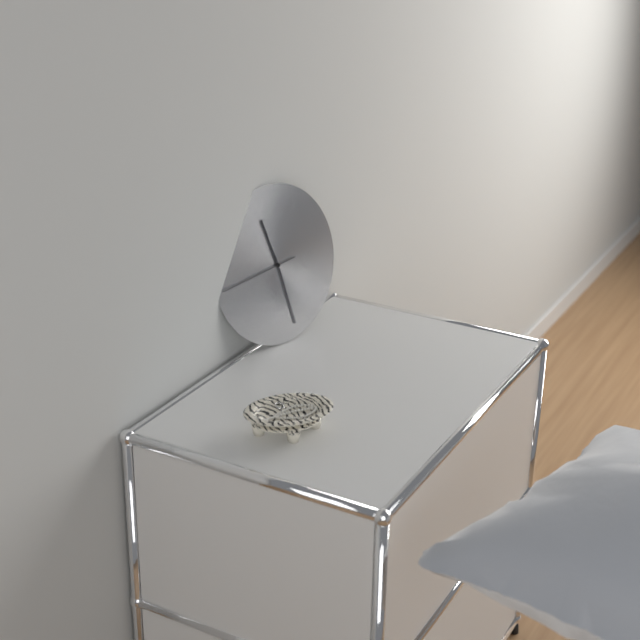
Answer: 11.28.44
